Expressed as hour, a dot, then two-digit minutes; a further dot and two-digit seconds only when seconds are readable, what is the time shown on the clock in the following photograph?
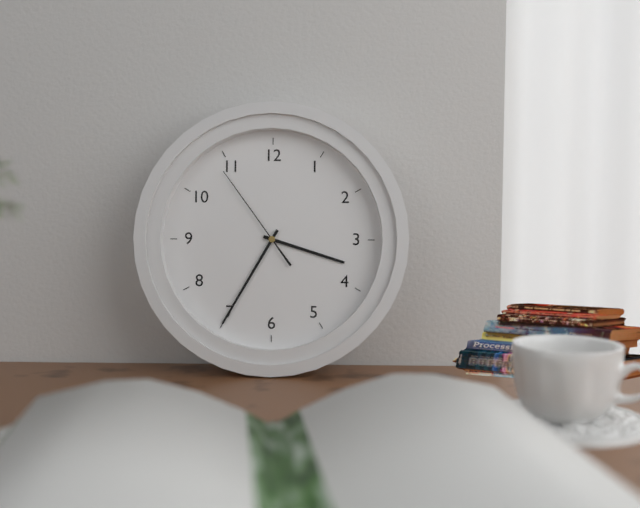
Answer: 3.35.54
